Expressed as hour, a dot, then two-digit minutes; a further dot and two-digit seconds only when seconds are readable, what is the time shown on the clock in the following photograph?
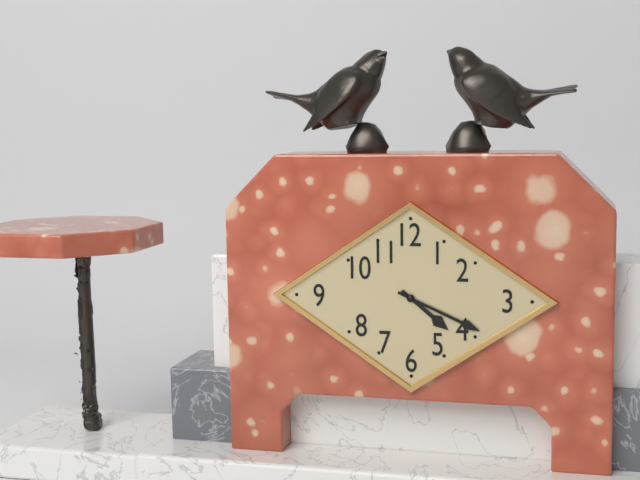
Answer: 4.19
